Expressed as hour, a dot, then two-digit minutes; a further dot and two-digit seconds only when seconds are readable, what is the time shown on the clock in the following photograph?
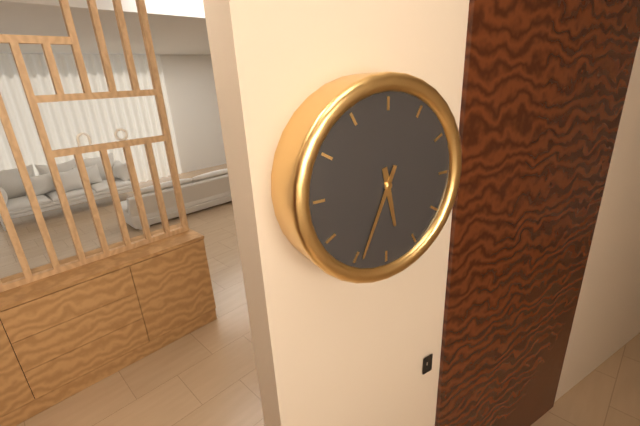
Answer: 5.34
